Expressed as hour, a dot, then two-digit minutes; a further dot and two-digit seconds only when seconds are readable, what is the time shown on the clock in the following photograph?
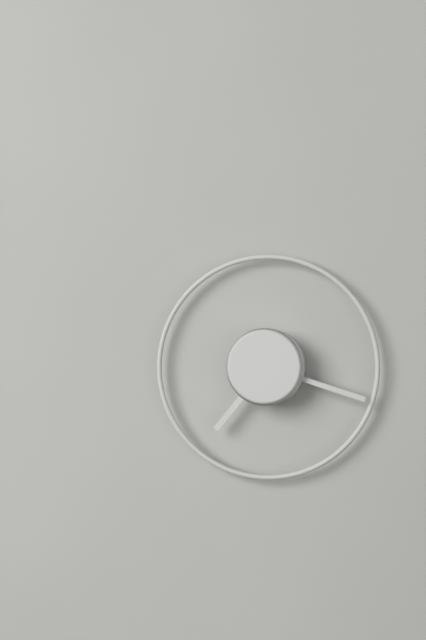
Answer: 7.18
